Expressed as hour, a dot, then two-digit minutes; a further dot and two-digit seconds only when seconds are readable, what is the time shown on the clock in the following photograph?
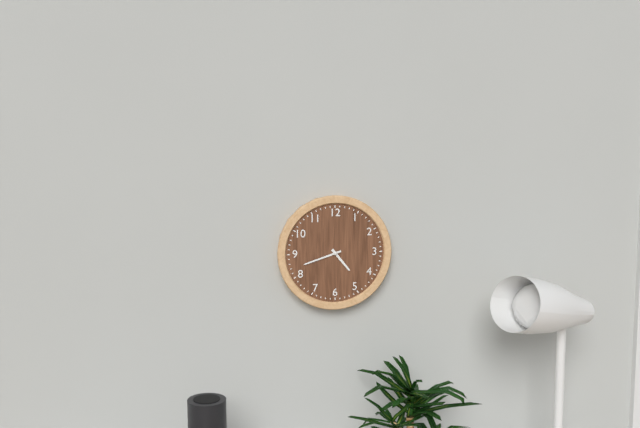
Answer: 4.42
